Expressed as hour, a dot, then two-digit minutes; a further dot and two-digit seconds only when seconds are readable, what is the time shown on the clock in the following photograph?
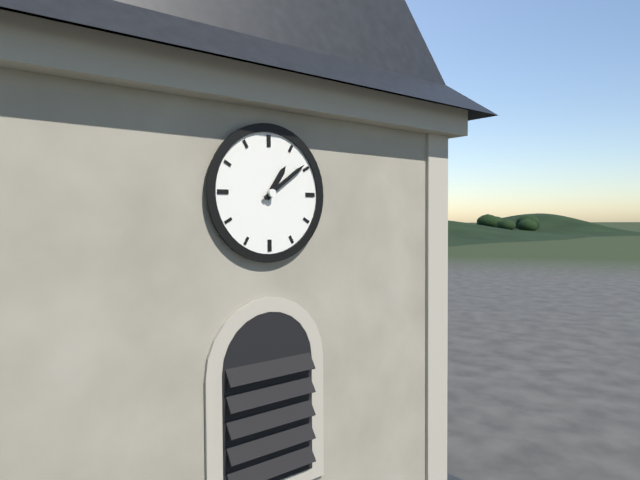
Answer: 1.09
